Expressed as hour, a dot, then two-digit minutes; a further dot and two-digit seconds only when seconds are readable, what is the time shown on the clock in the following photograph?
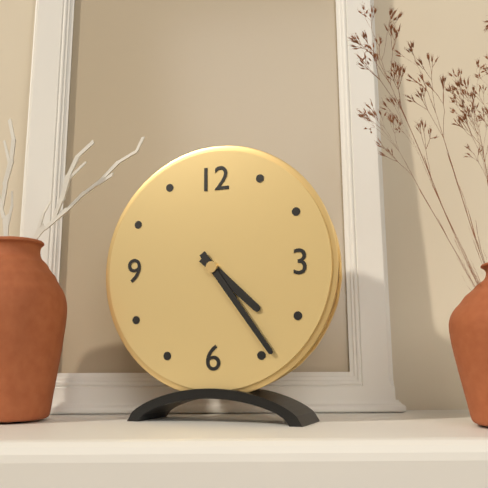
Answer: 4.24
